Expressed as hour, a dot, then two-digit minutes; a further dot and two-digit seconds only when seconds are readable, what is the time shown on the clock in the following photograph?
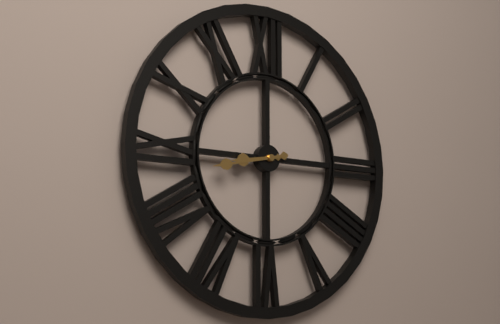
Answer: 8.43
